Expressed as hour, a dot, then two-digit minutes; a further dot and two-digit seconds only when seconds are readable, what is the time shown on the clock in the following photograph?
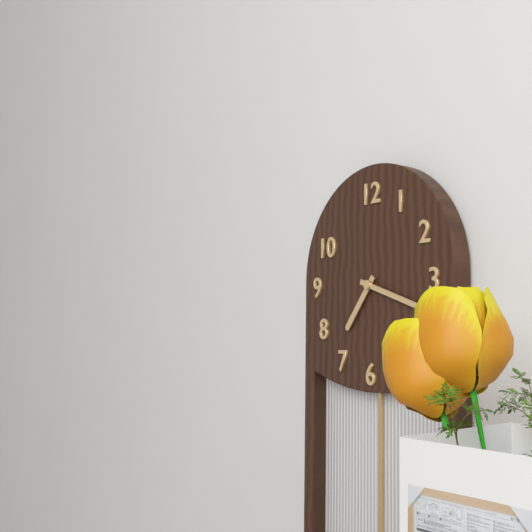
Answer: 7.18
